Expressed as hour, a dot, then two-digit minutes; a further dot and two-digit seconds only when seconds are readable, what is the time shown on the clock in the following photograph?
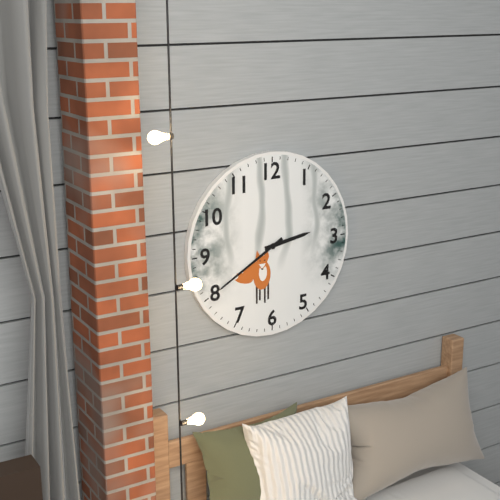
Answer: 2.40
